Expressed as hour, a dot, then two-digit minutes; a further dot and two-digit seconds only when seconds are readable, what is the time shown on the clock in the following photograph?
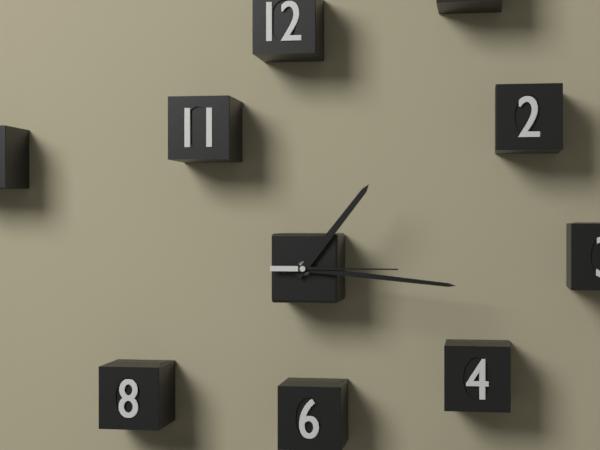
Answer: 1.16.15
